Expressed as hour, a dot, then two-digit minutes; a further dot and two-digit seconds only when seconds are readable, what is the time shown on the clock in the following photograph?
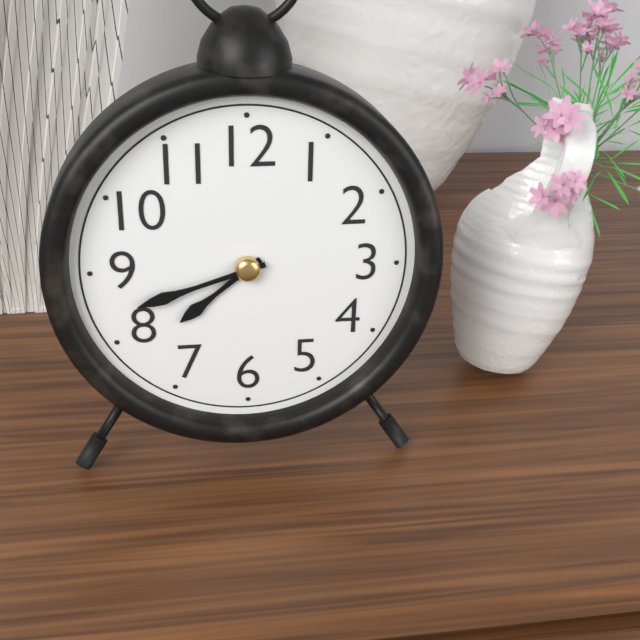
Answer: 7.42
